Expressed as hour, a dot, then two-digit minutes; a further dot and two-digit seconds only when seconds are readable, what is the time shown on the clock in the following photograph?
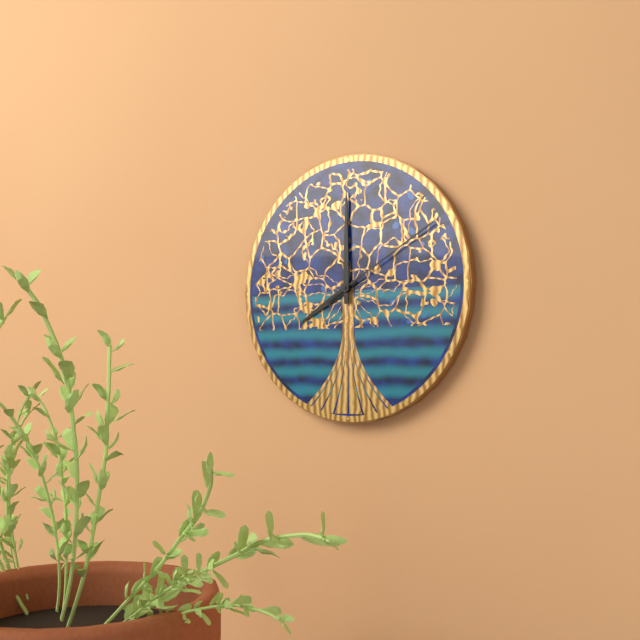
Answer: 8.00.10
